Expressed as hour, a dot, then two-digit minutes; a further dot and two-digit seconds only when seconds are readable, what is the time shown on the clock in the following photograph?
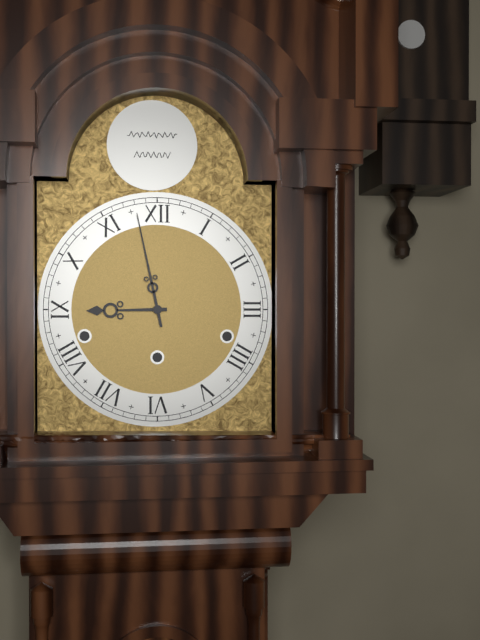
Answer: 8.58
